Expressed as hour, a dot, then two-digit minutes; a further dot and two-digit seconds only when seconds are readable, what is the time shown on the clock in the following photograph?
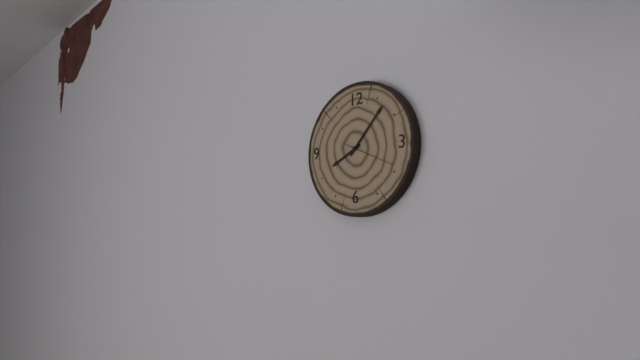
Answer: 8.07.19
